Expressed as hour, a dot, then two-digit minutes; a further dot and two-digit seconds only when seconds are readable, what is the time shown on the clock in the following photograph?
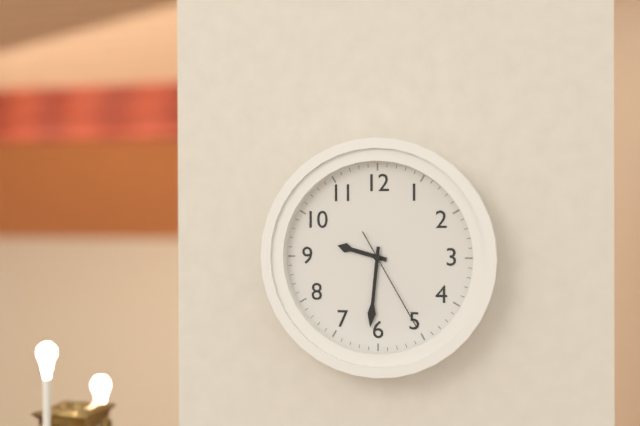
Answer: 9.31.25
